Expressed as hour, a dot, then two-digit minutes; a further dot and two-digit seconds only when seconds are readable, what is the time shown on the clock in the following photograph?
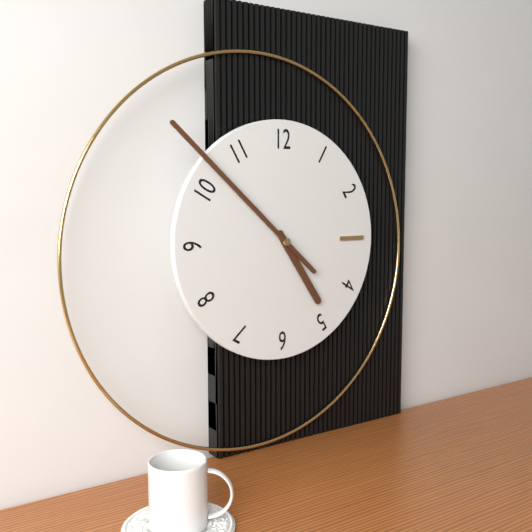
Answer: 4.52
